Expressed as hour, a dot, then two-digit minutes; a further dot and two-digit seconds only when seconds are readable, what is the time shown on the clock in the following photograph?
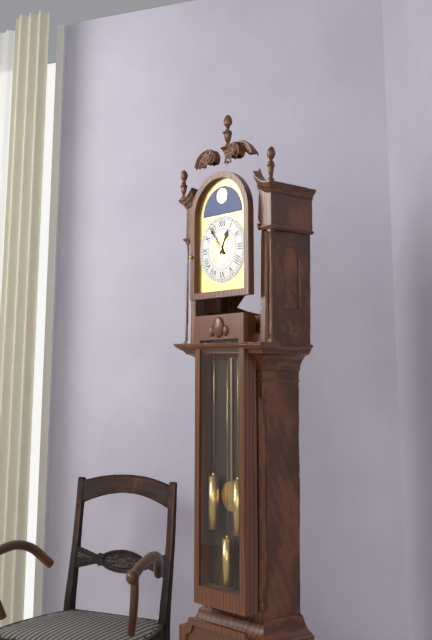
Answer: 12.54
